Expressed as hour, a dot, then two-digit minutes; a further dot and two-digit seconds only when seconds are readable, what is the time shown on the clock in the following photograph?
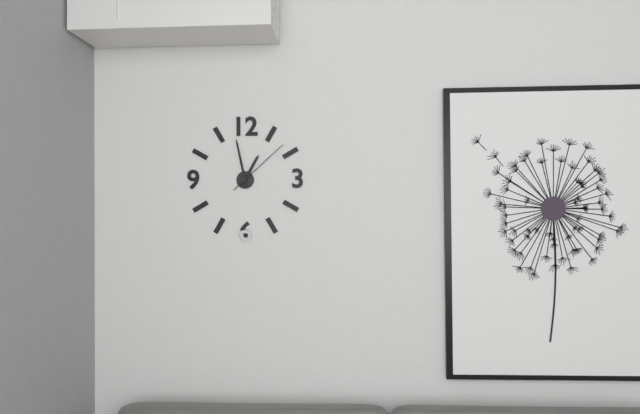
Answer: 12.58.08
